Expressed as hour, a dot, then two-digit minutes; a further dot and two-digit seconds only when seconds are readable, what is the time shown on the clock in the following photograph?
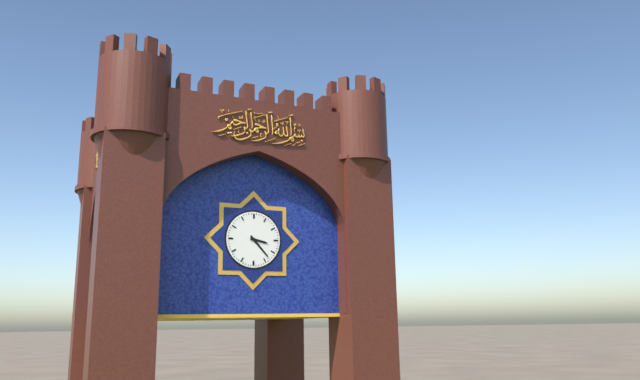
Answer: 3.23
